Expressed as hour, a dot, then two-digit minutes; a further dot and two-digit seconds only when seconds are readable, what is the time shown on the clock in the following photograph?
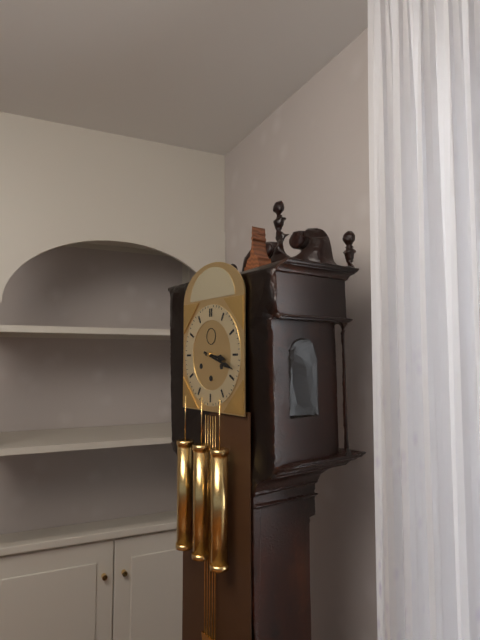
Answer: 3.18
